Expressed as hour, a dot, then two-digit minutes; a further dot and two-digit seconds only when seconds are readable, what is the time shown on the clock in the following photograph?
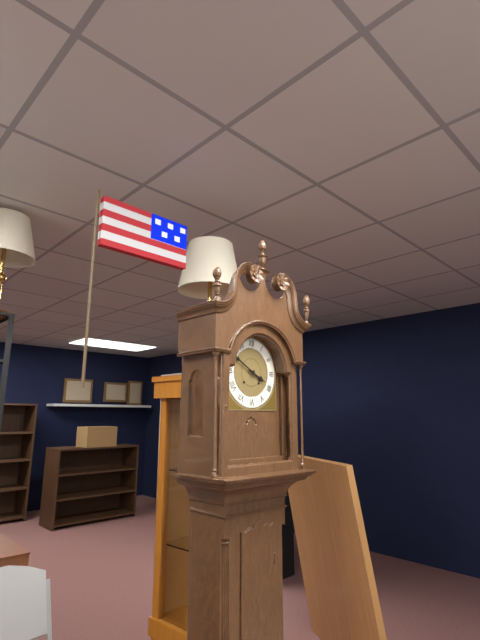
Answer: 3.50
